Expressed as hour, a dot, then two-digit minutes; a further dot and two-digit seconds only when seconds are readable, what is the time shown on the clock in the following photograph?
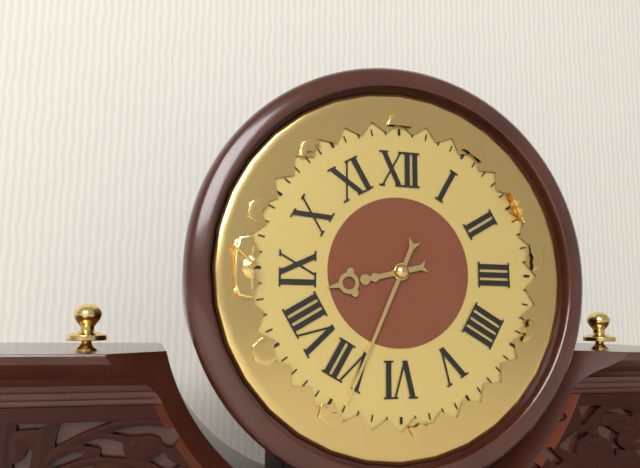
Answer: 8.34
